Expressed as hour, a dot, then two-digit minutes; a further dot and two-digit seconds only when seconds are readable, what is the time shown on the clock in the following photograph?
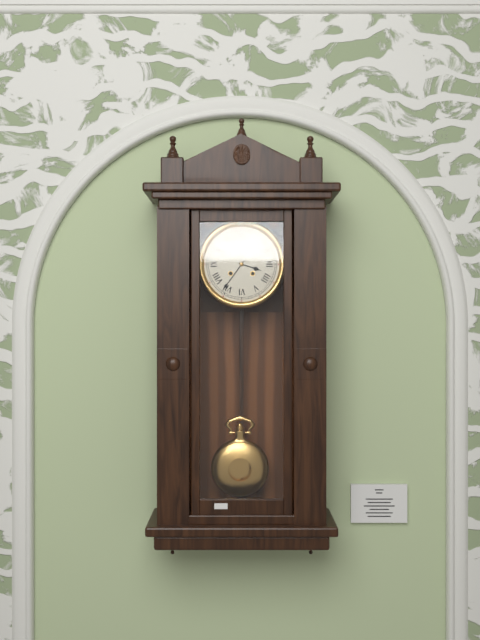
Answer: 3.36
